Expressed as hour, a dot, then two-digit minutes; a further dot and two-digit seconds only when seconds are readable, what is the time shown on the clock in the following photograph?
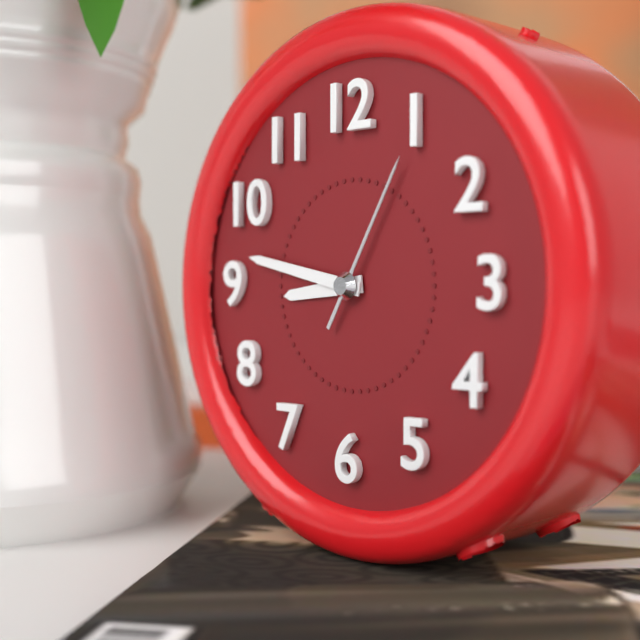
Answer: 8.47.05
